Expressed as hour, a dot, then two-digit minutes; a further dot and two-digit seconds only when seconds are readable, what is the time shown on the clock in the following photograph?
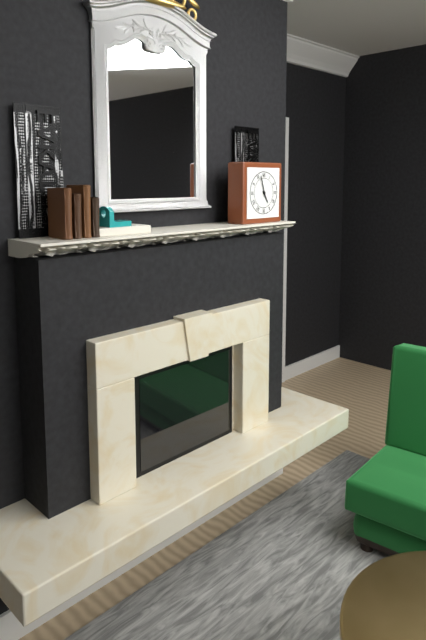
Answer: 4.57
